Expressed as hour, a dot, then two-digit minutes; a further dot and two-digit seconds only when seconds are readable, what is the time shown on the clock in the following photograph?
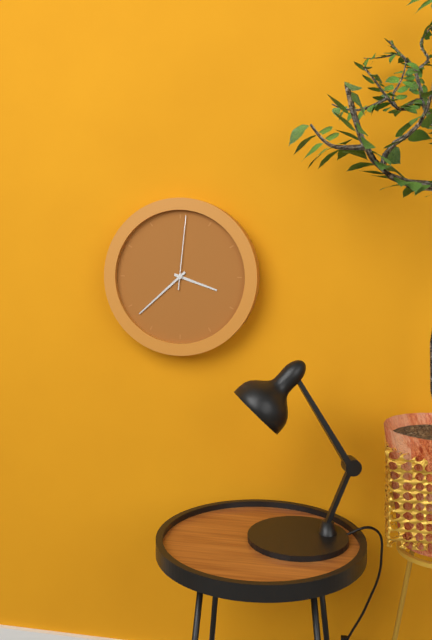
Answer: 3.38.01
